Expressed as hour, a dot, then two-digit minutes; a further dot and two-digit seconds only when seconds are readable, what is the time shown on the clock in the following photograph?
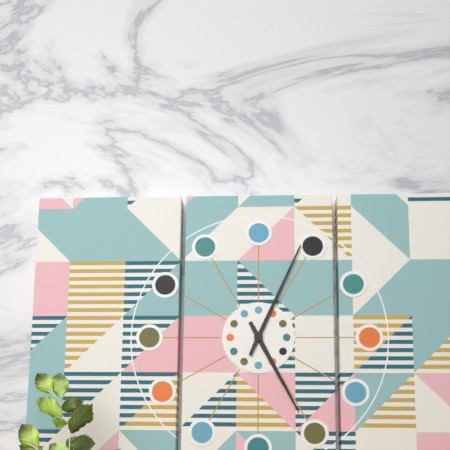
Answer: 5.04
